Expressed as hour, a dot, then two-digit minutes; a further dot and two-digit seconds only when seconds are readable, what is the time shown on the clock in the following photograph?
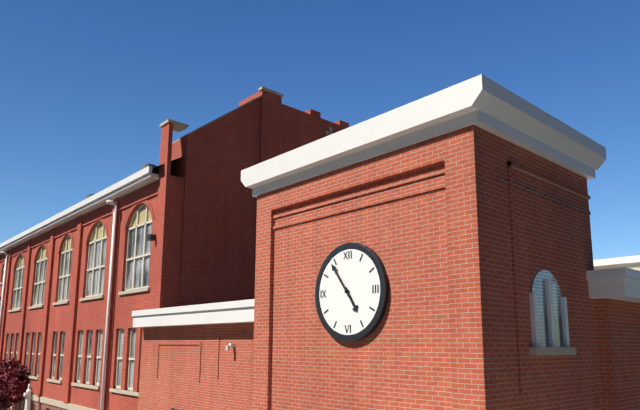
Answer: 4.54
